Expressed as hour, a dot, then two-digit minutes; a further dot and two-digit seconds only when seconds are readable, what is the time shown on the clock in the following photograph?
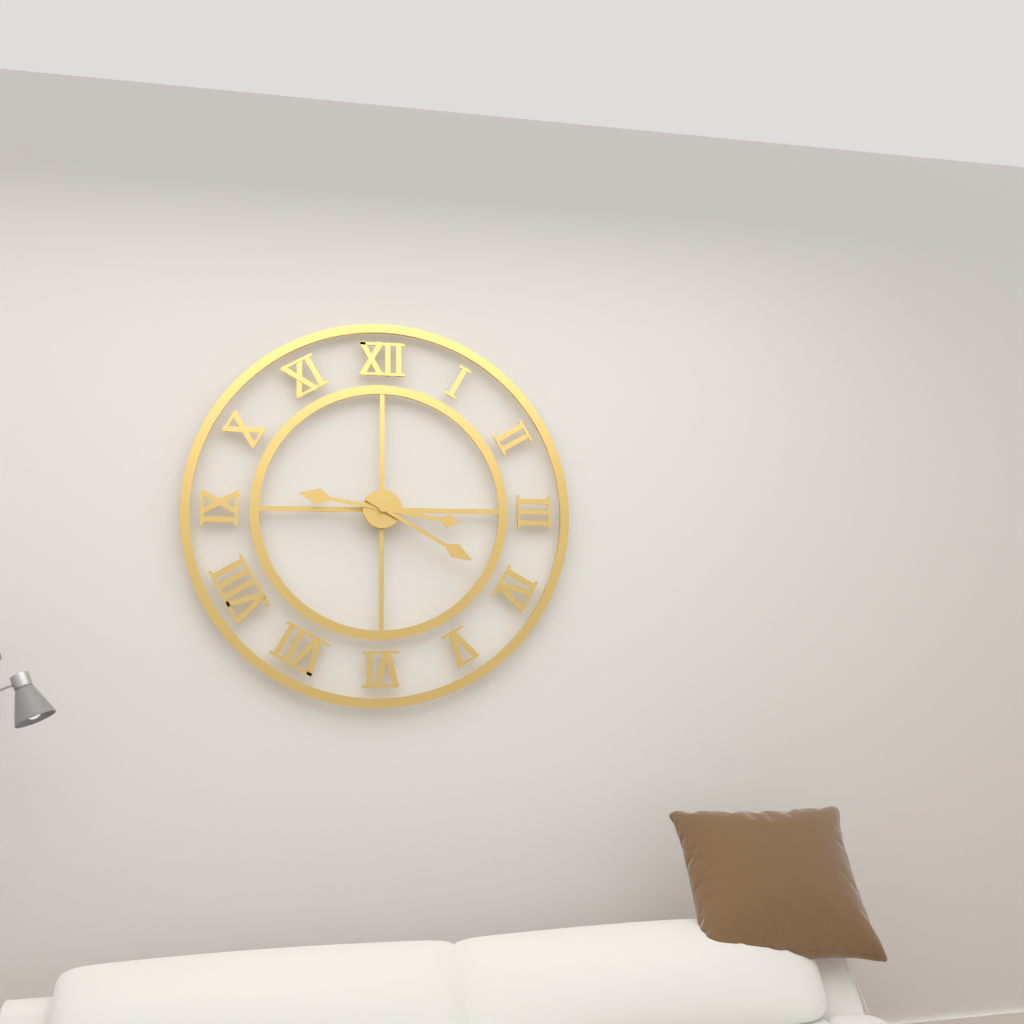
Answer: 9.20
